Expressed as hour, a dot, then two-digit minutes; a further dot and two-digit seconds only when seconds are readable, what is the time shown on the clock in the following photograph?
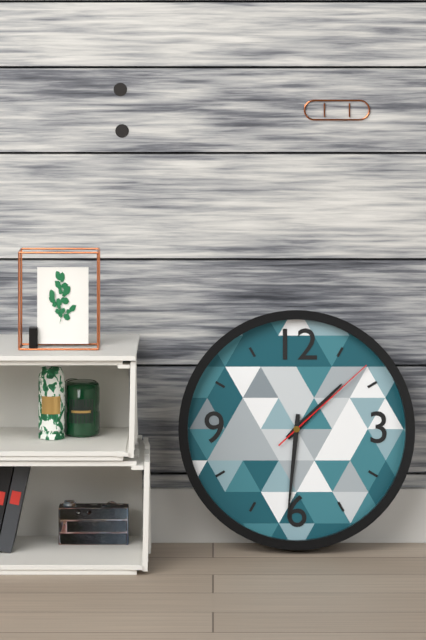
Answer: 1.31.08
